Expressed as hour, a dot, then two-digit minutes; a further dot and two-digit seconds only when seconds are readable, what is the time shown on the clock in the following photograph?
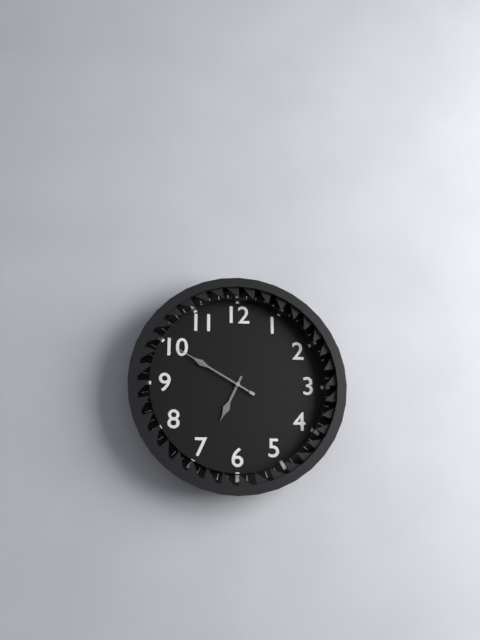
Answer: 6.50.50
